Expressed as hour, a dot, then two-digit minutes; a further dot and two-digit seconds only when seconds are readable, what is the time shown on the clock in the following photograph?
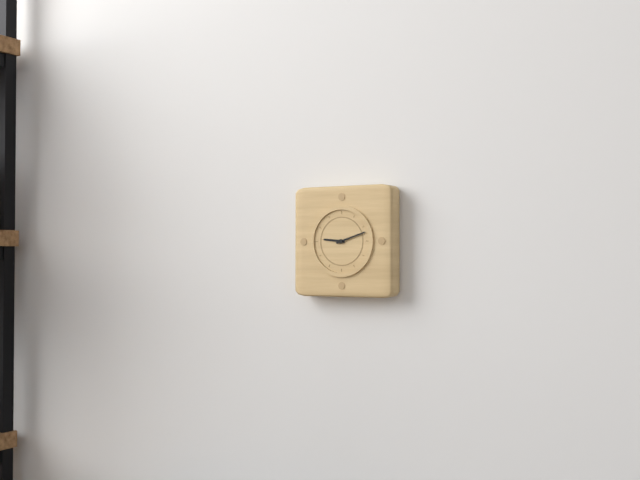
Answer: 9.12
